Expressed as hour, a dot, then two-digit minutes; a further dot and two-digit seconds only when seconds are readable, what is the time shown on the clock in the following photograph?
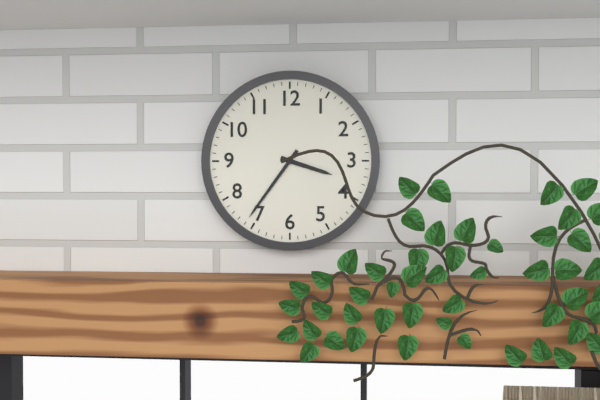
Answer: 3.36
